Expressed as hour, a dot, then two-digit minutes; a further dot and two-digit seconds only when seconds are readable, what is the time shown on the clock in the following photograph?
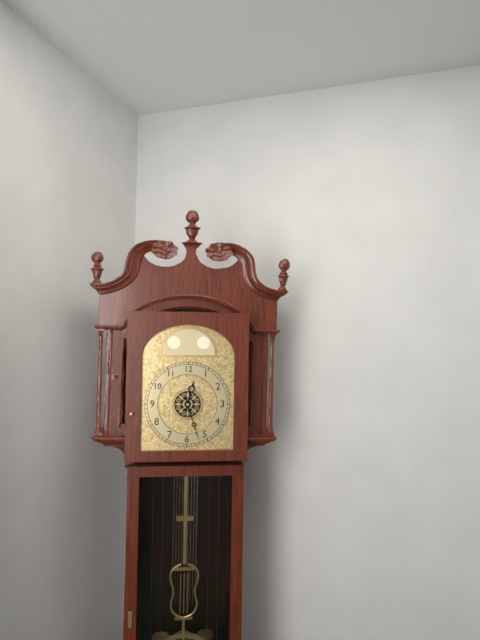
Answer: 12.27
